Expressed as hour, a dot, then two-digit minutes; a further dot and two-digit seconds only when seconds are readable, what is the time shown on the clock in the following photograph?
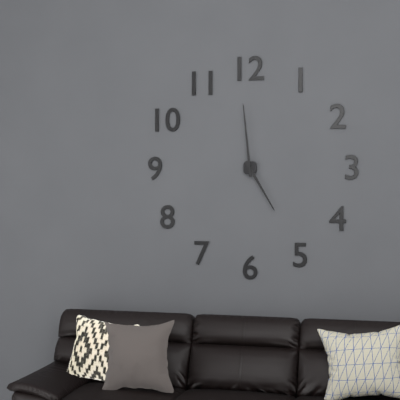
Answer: 4.59
